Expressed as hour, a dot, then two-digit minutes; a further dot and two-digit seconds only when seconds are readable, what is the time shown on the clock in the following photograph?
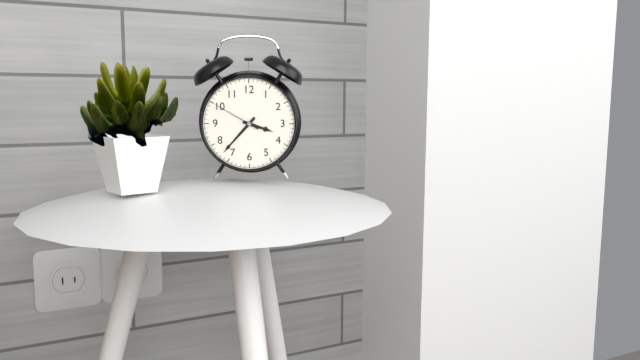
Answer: 3.37
